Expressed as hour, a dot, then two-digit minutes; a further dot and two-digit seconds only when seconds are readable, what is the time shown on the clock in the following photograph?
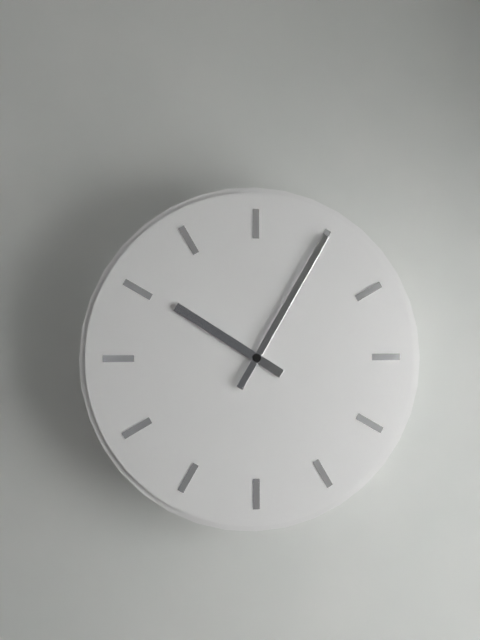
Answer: 10.05
